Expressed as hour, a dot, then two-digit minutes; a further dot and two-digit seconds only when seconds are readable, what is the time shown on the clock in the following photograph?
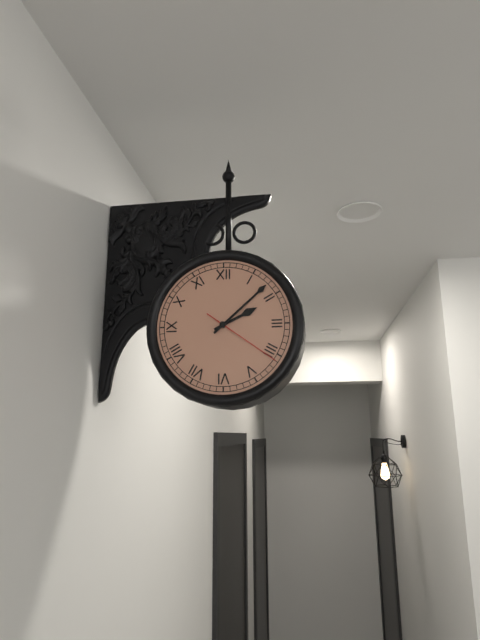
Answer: 2.08.21
